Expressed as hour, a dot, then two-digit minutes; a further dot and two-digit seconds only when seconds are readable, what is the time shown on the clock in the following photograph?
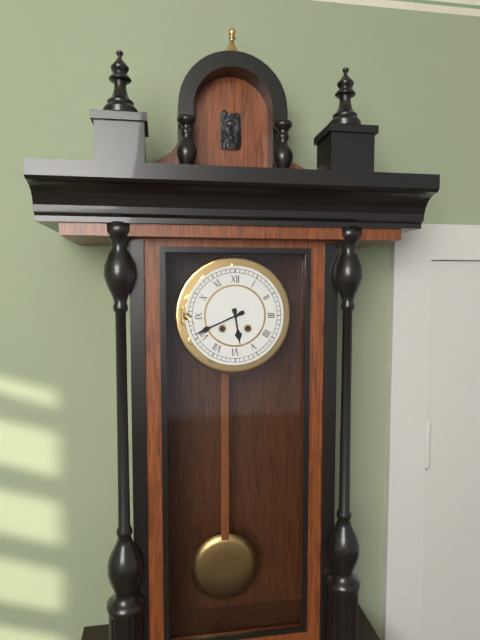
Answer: 5.41
